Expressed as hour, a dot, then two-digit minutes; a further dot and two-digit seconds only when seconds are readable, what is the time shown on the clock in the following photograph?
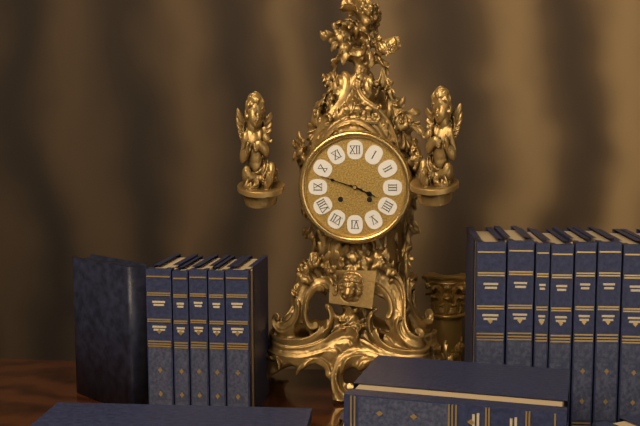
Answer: 3.48
